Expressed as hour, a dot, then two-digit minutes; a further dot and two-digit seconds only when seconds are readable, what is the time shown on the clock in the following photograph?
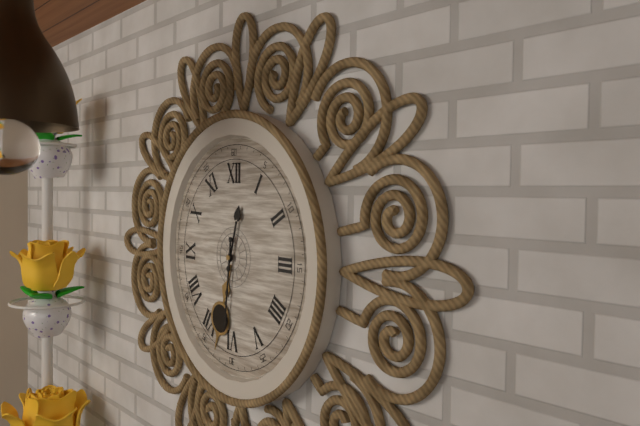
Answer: 12.31
